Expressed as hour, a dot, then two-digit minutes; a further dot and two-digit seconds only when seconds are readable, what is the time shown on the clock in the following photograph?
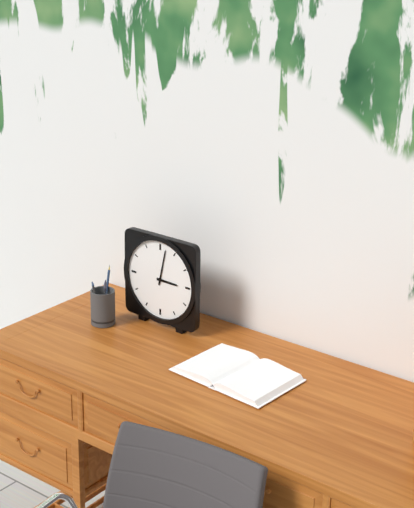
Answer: 3.02
